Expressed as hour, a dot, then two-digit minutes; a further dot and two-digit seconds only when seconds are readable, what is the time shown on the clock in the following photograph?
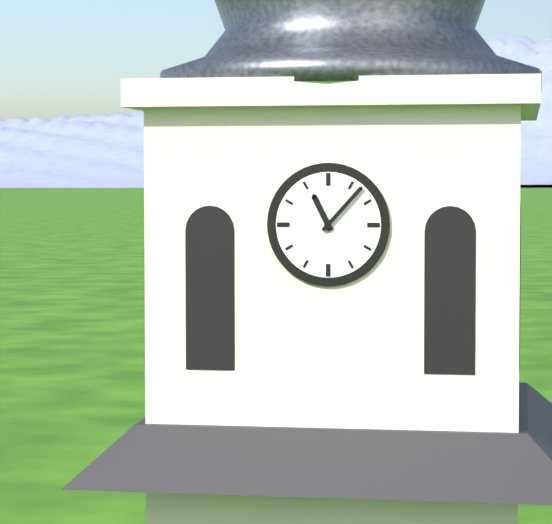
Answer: 11.07
